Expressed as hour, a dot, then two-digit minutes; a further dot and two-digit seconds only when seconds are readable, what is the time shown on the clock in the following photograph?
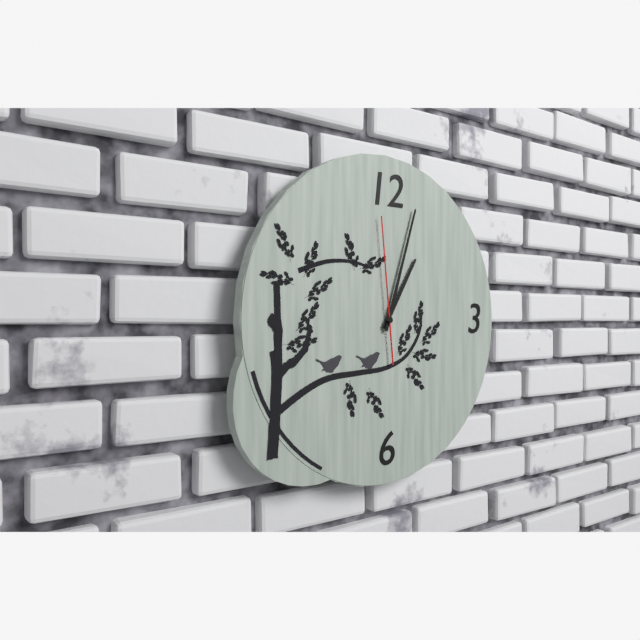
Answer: 1.03.59
